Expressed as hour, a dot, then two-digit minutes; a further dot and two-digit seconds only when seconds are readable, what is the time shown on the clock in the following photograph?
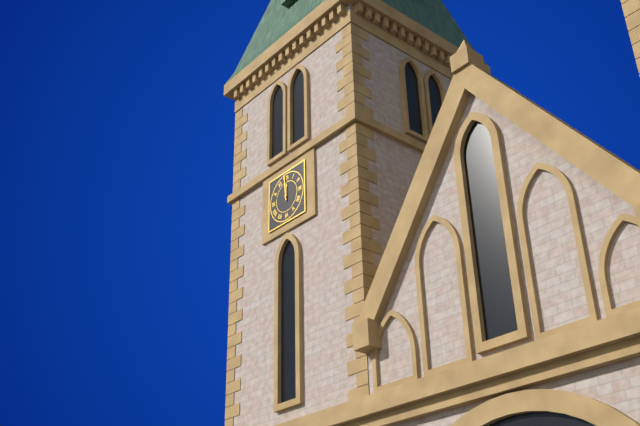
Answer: 11.59
